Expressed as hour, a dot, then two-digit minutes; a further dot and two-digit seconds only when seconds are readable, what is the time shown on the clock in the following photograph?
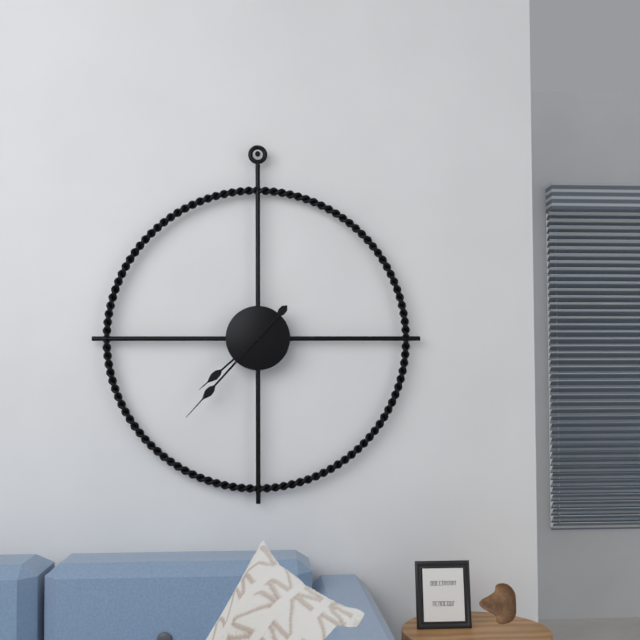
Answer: 7.37
